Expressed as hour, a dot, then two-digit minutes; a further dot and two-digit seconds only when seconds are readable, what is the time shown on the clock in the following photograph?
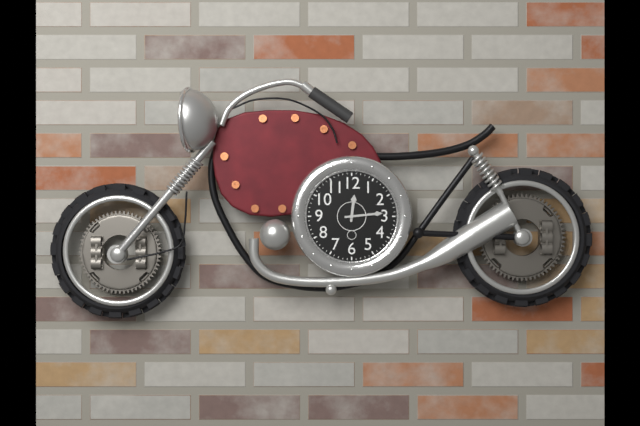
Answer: 12.14
